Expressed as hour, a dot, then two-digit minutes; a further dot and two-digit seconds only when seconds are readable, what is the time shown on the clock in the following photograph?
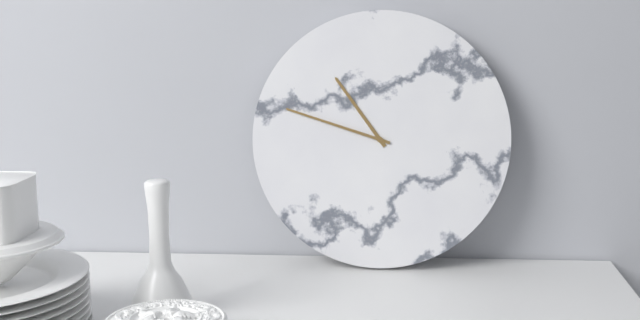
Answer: 10.48
